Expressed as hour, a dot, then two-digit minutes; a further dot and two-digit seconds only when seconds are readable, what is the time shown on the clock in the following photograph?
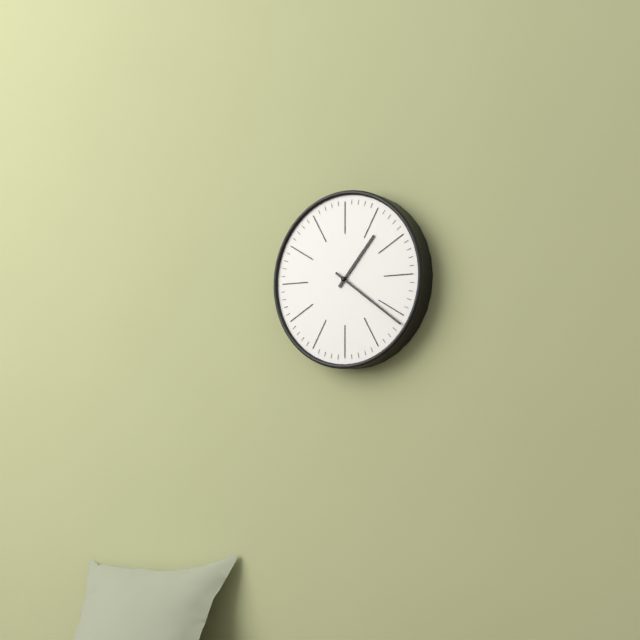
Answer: 1.21
